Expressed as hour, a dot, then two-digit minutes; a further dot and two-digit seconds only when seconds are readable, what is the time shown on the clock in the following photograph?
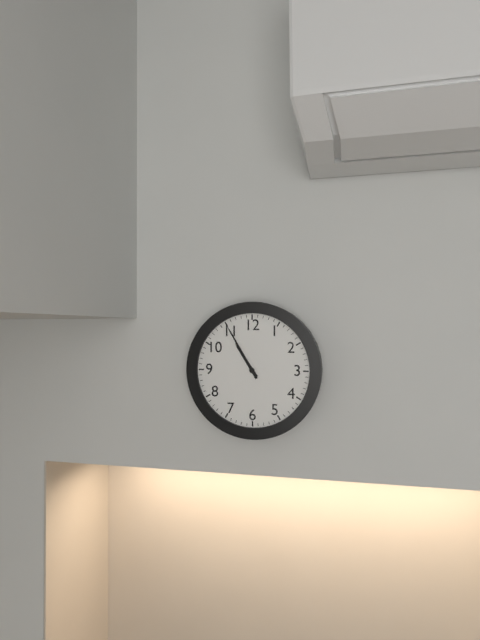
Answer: 10.55
